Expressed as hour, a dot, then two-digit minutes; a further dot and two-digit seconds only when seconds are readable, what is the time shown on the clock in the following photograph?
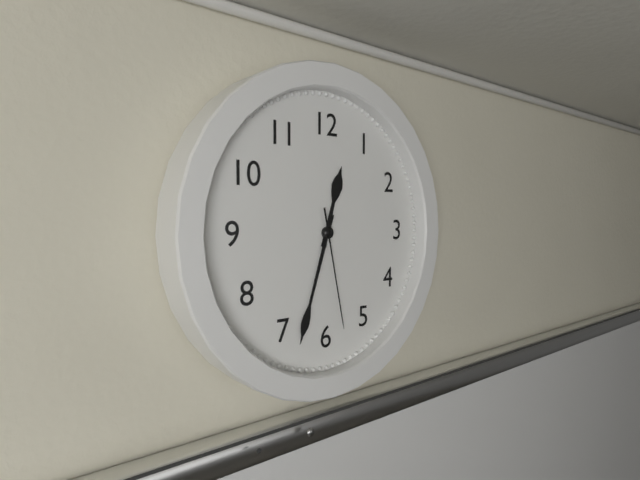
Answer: 12.33.28
